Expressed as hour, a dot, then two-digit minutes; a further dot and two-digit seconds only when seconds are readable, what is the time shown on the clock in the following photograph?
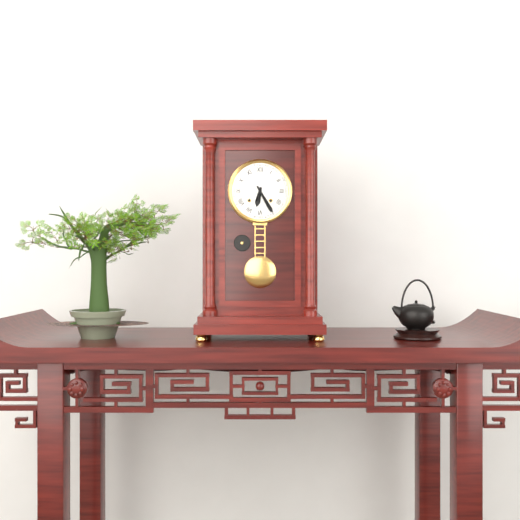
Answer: 6.25
